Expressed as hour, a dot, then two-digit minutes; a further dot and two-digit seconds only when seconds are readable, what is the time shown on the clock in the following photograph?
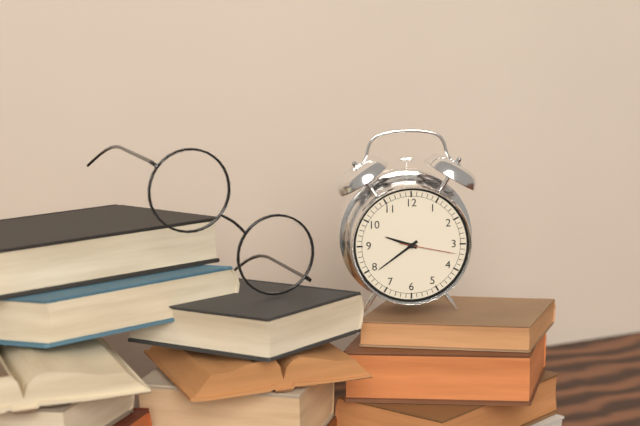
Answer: 9.39.17
